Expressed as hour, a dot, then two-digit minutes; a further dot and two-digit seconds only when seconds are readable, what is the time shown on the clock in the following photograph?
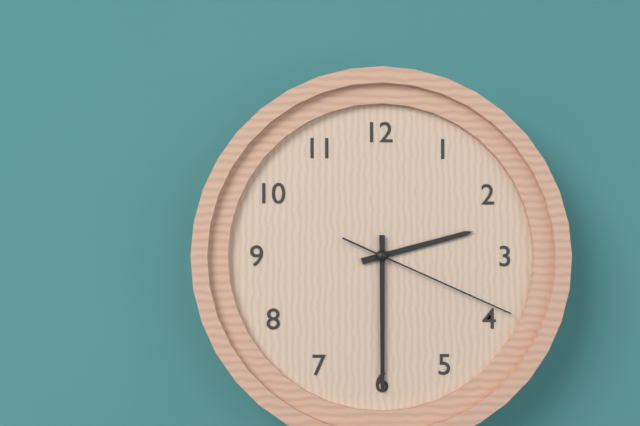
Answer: 2.30.19
